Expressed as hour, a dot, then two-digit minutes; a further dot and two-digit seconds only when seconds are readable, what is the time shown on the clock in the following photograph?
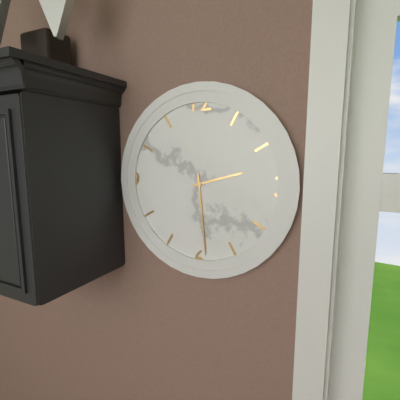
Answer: 2.29
